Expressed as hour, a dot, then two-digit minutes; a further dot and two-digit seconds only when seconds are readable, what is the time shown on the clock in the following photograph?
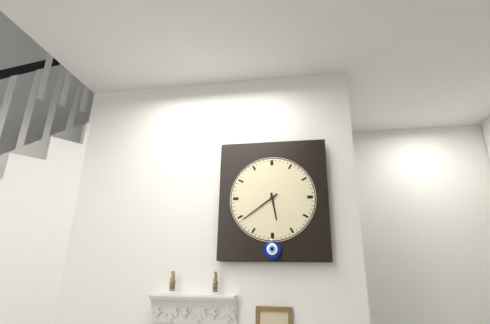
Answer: 5.39
